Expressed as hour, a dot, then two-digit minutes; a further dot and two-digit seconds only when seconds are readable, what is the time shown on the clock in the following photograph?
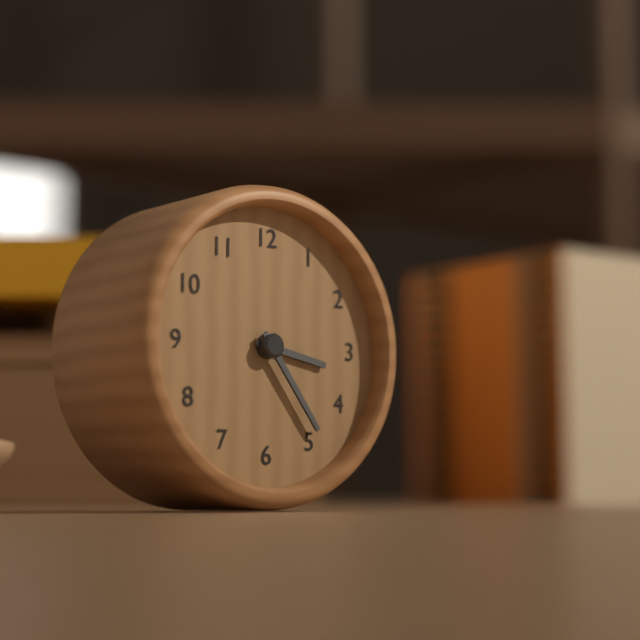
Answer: 3.24
